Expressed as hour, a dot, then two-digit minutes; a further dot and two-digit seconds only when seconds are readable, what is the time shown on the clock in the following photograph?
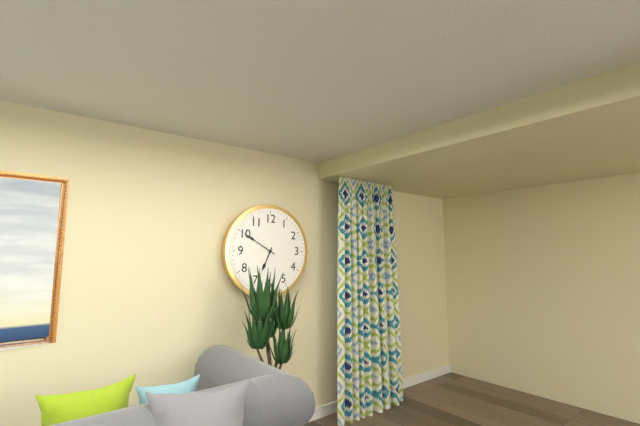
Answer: 6.50
